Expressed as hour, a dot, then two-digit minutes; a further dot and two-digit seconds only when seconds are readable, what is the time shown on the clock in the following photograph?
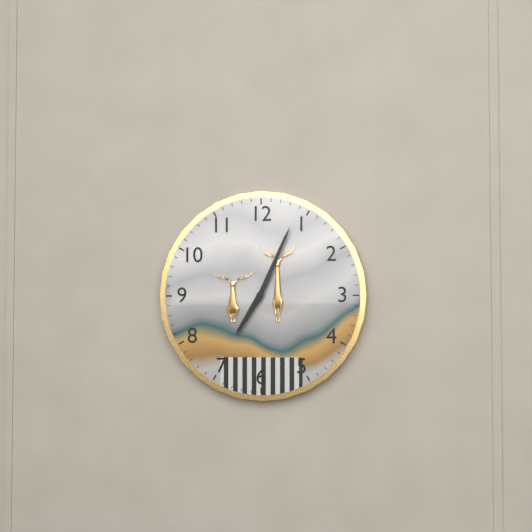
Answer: 7.04
